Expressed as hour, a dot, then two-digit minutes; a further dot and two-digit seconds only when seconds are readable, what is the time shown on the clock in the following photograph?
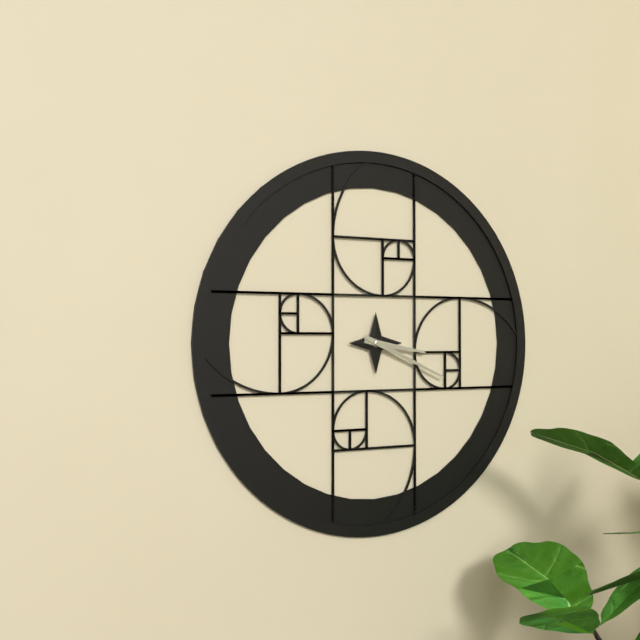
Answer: 3.19
